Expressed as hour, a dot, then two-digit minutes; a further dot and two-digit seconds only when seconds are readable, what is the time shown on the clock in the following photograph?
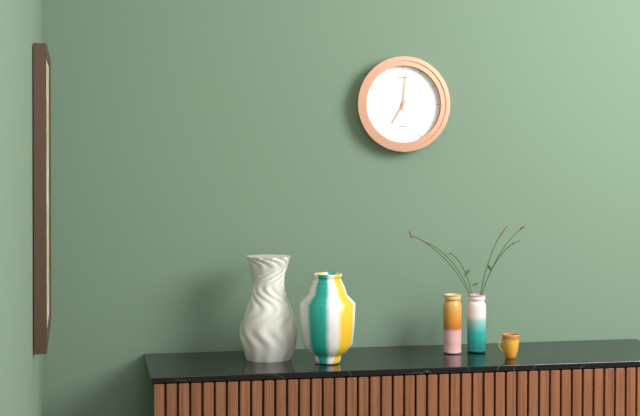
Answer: 7.01
